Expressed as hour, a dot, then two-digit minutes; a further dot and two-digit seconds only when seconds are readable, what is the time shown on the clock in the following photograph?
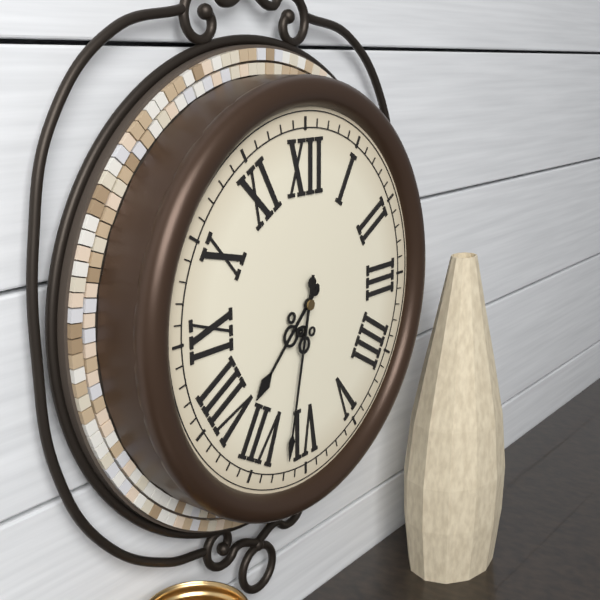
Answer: 7.32
